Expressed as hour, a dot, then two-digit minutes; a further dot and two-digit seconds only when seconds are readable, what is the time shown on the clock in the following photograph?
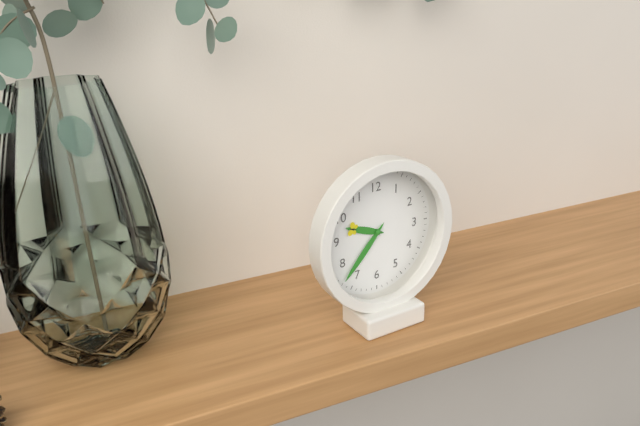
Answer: 9.37
